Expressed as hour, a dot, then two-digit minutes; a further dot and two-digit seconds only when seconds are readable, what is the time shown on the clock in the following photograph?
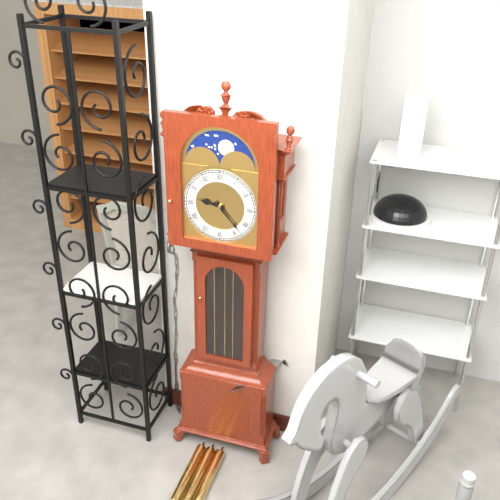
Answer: 9.23
